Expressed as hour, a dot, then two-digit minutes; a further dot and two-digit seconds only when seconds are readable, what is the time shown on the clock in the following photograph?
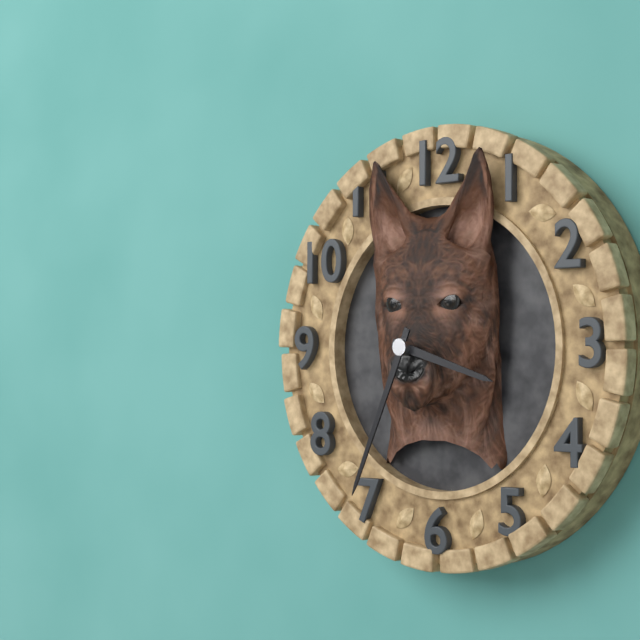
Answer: 3.34
